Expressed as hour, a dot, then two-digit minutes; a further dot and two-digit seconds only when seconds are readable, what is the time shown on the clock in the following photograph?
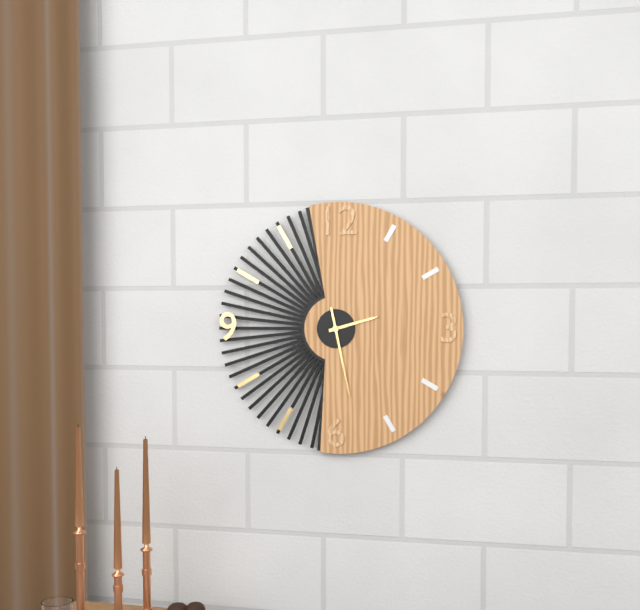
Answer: 2.28
